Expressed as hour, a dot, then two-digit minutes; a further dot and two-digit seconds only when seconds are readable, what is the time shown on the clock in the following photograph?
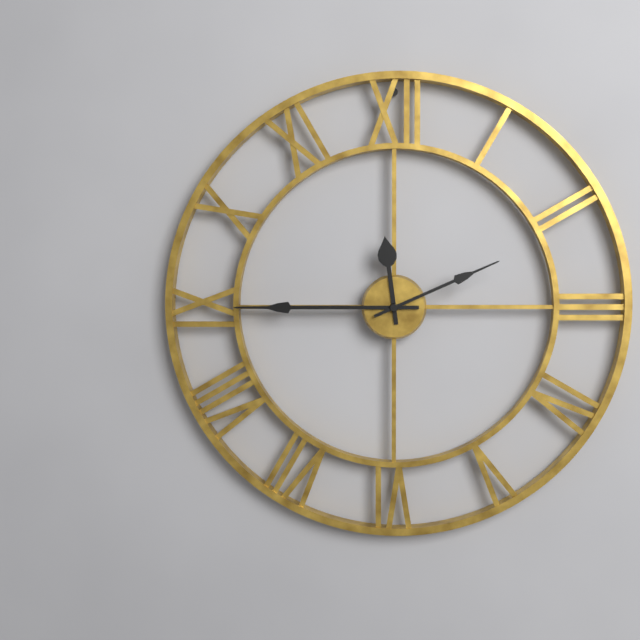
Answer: 11.45.11
